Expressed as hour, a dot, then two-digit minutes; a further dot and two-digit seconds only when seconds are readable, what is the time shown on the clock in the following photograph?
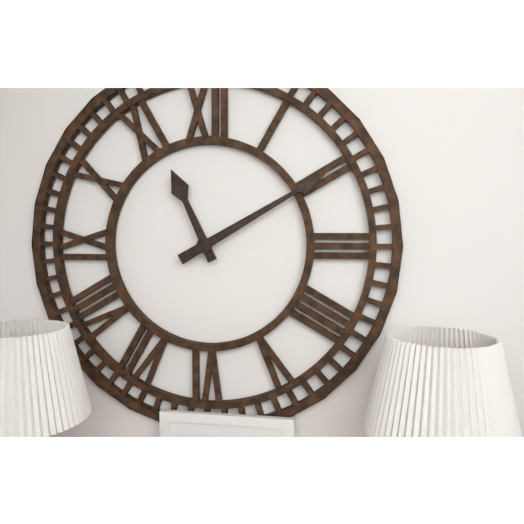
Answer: 11.10
